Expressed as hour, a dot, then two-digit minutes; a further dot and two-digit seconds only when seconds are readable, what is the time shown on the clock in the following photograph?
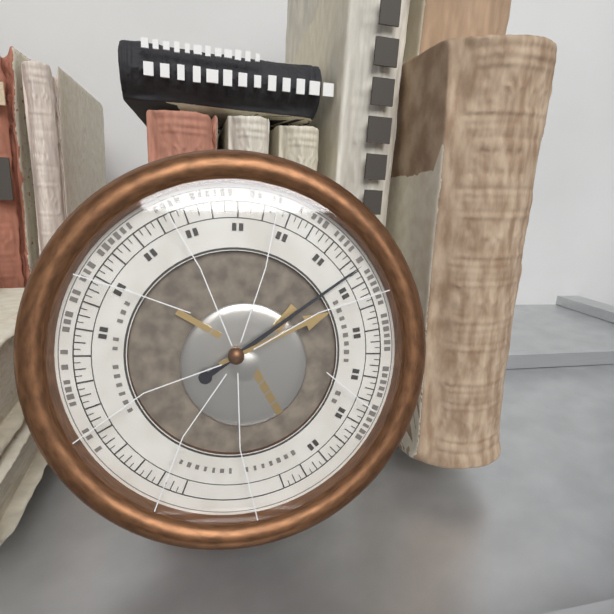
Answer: 2.09
